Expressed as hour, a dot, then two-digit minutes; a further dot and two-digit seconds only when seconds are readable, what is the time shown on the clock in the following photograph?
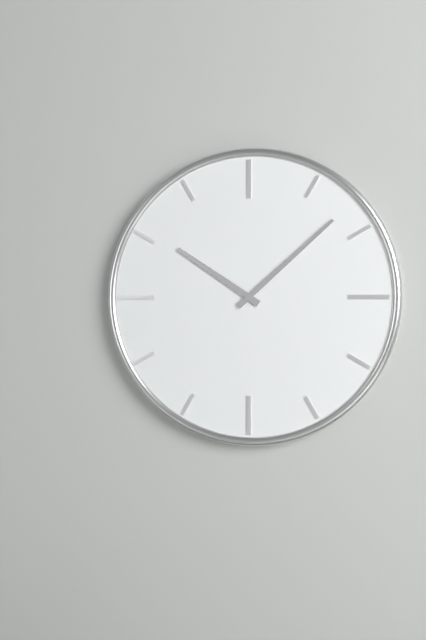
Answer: 10.08
